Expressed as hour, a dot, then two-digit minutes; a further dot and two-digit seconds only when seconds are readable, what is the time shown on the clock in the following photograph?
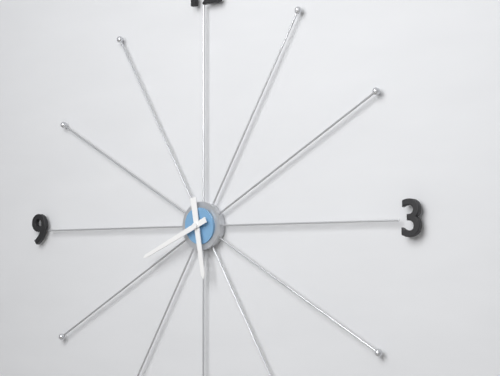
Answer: 5.41
